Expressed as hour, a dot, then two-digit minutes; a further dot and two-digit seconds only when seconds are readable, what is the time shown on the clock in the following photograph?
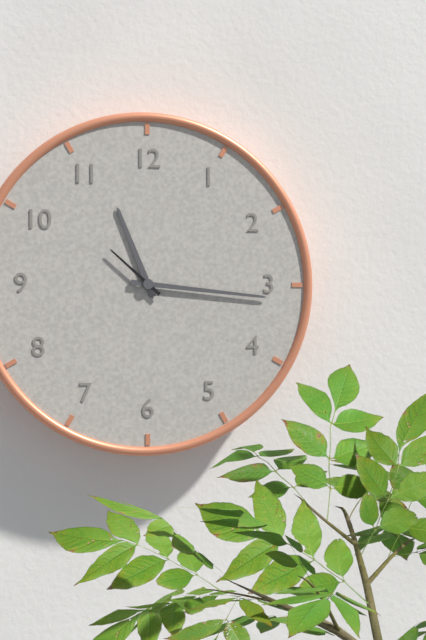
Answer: 11.16.52
